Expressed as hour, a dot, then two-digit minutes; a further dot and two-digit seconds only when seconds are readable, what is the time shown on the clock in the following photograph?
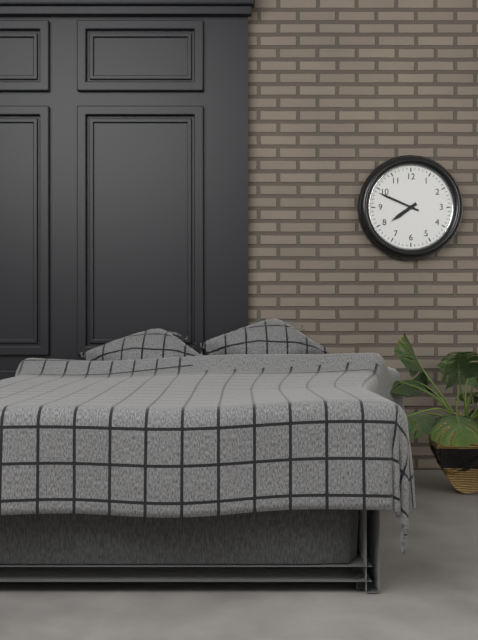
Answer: 7.49
